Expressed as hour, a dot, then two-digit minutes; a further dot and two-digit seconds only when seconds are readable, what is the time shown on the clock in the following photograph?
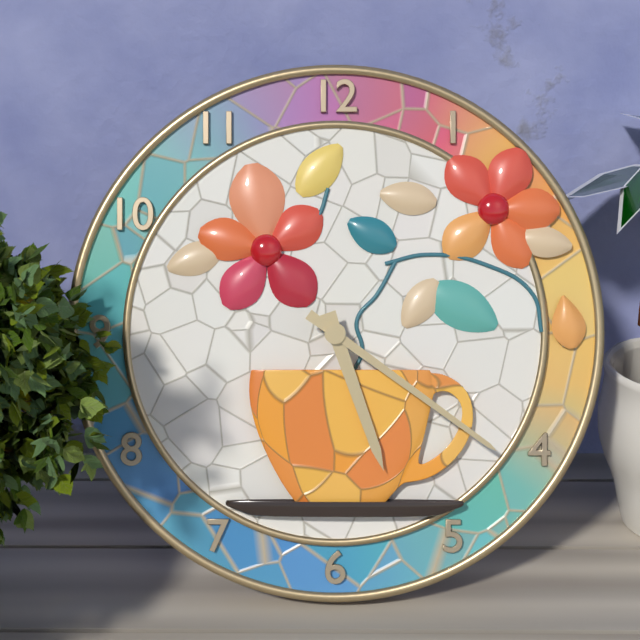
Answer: 5.21
